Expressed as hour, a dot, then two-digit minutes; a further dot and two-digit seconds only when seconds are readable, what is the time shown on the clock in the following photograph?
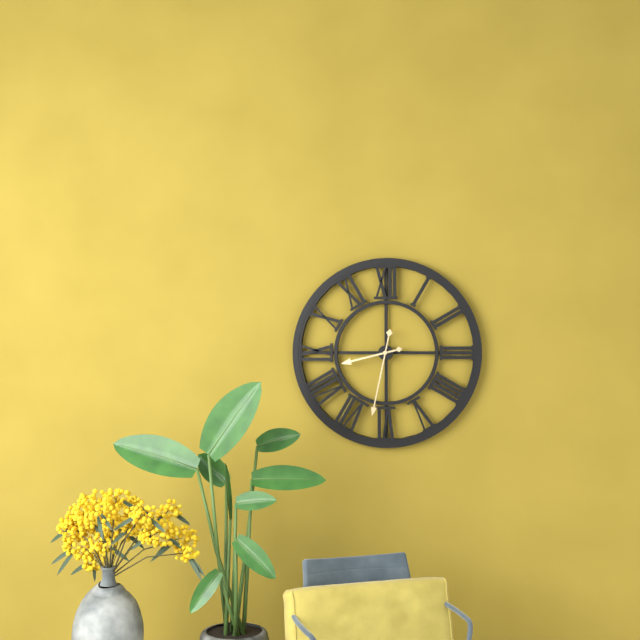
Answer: 8.32
